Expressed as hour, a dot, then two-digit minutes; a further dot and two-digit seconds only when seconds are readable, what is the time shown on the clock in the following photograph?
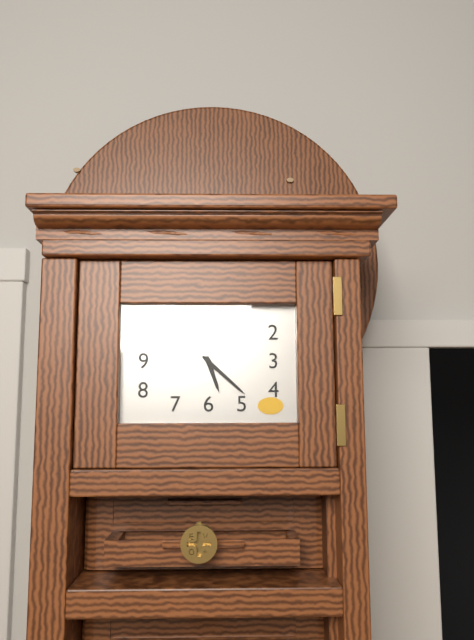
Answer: 5.22
